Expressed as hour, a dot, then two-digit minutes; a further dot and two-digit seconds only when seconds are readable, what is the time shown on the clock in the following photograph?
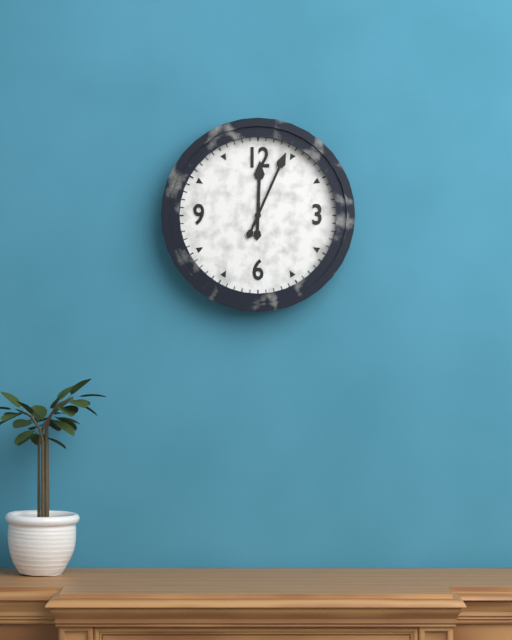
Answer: 12.04
